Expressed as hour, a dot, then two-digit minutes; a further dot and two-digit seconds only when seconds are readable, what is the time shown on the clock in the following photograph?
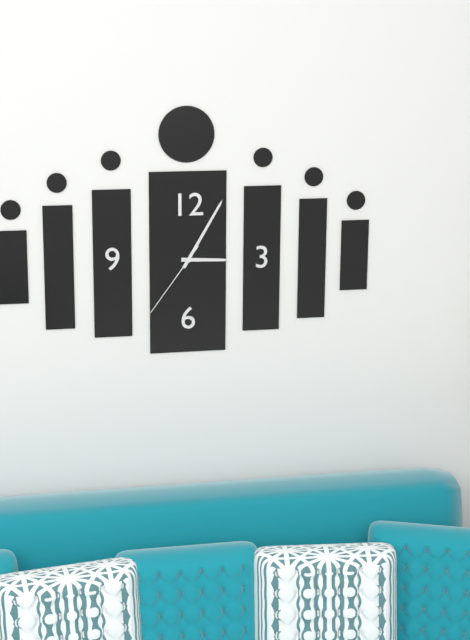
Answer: 3.05.36
